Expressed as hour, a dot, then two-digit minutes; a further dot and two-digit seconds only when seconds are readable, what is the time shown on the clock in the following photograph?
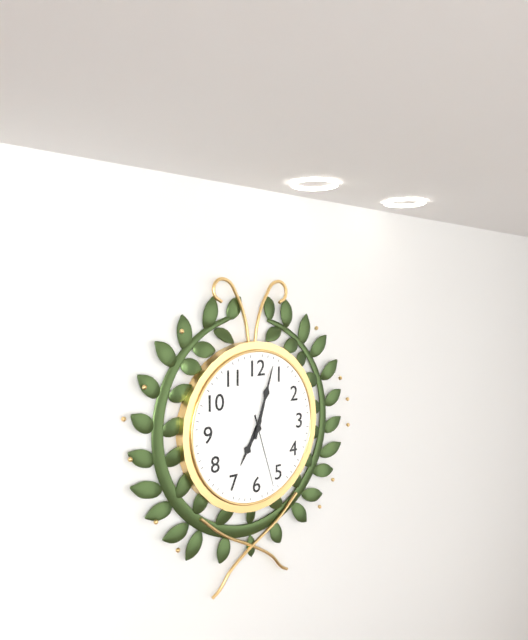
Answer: 7.03.27
